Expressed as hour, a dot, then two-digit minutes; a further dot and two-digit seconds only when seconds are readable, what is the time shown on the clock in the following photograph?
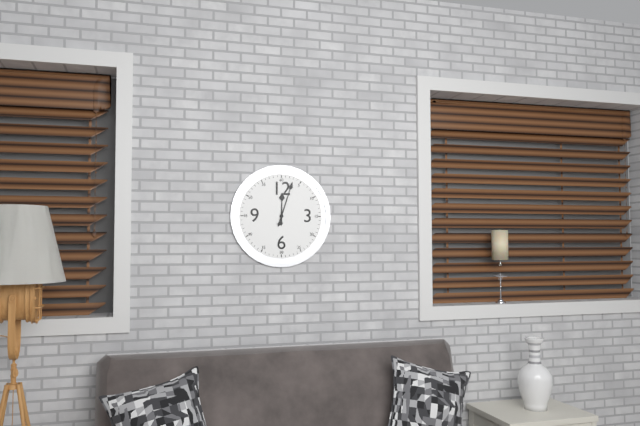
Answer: 12.03
